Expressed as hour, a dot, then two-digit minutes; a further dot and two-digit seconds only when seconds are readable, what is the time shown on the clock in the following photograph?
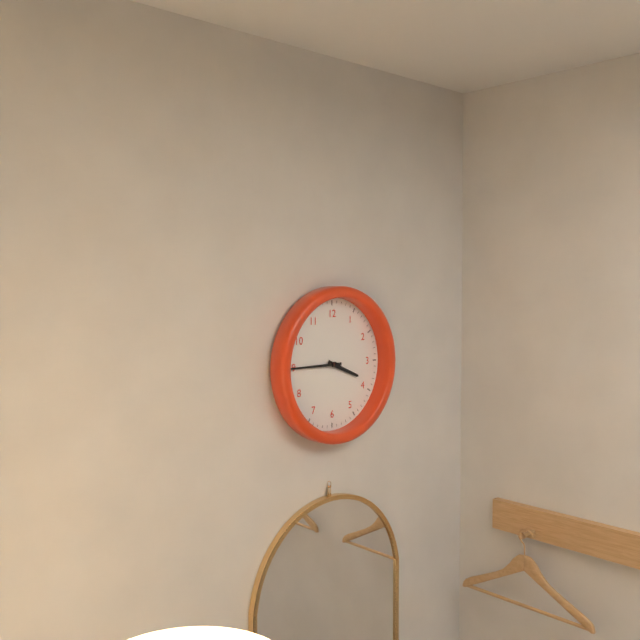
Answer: 3.45
